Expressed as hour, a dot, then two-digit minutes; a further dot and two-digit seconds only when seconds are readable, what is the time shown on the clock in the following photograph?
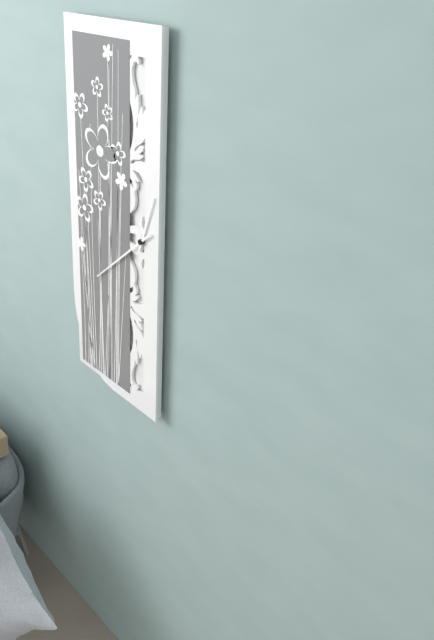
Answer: 12.38
